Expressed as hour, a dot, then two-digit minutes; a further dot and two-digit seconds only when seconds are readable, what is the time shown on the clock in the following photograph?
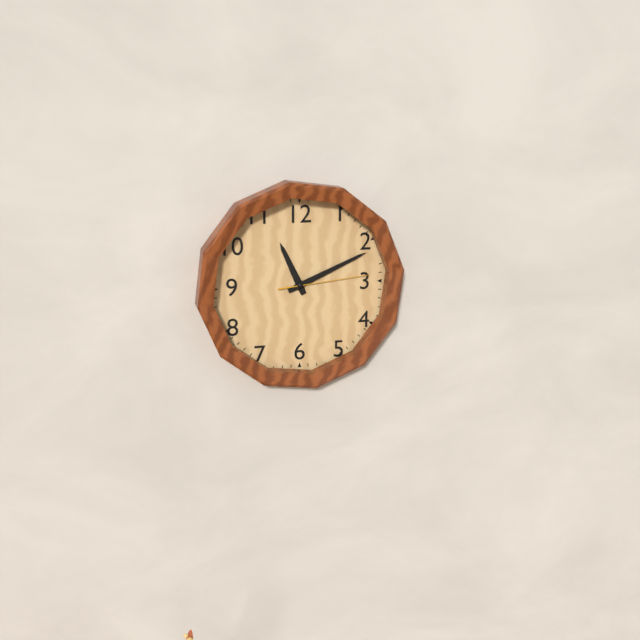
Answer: 11.11.14
